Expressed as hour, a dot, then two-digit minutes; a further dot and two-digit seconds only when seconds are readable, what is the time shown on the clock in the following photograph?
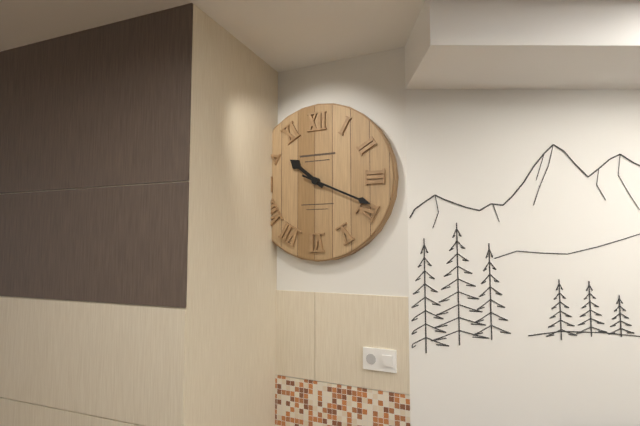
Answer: 10.19
